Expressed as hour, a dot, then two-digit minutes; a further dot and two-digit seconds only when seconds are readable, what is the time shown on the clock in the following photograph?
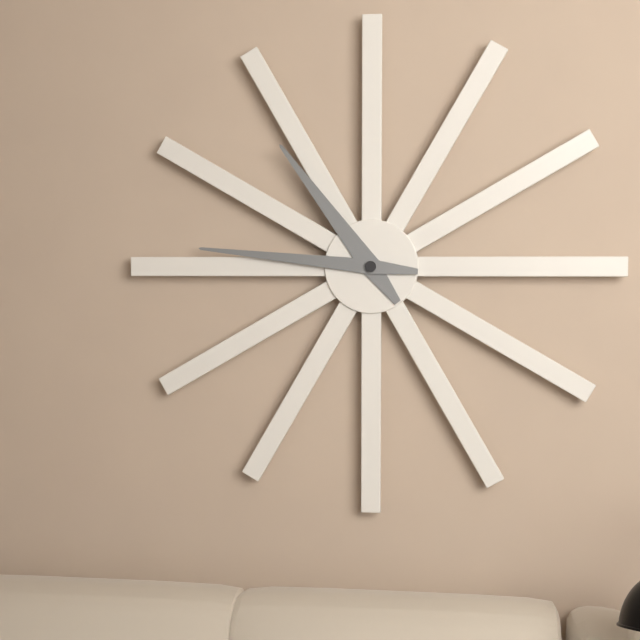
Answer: 10.46
